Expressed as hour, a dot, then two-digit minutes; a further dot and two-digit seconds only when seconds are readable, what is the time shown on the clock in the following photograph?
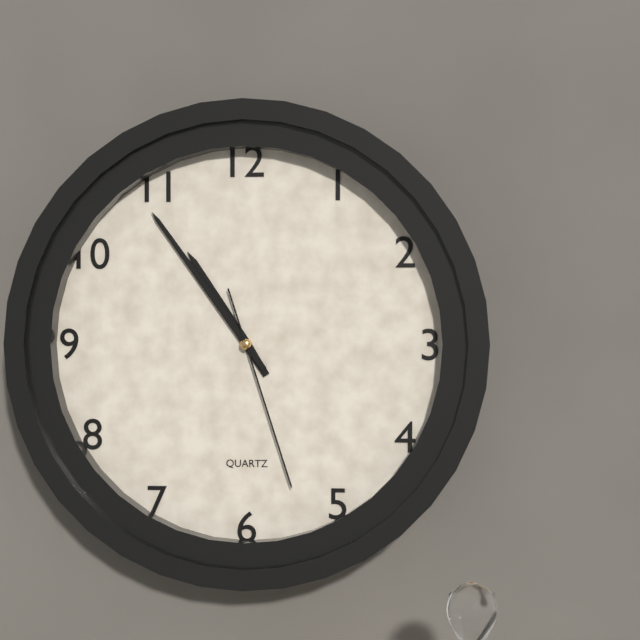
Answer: 10.54.27
